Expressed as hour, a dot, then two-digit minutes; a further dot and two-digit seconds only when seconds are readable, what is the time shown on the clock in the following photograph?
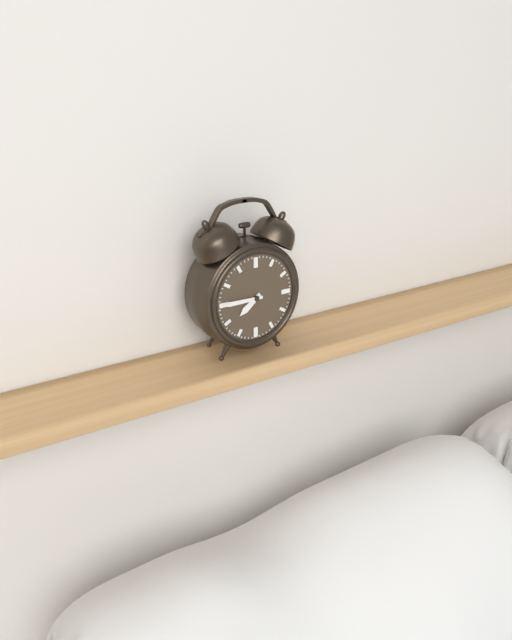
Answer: 7.45
